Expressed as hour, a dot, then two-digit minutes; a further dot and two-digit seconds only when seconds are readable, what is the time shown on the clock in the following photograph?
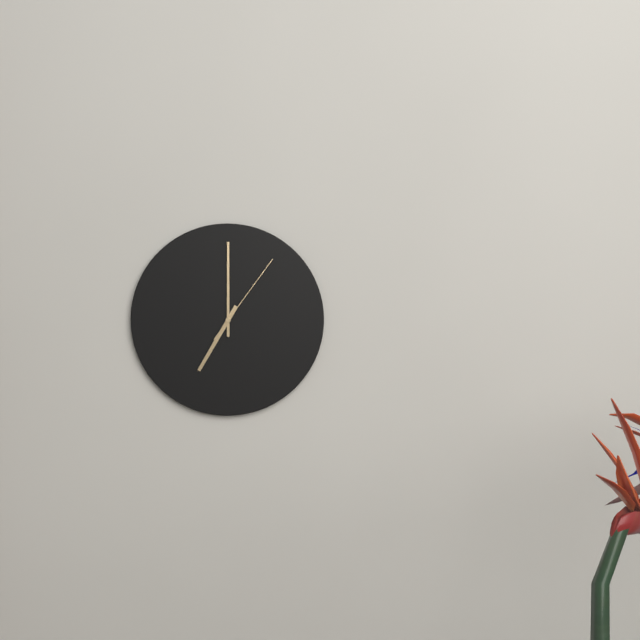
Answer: 7.00.06
